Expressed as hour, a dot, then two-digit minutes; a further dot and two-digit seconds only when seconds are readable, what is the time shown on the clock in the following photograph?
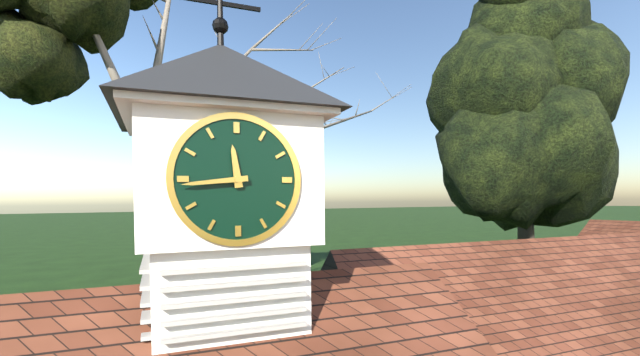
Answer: 11.44
